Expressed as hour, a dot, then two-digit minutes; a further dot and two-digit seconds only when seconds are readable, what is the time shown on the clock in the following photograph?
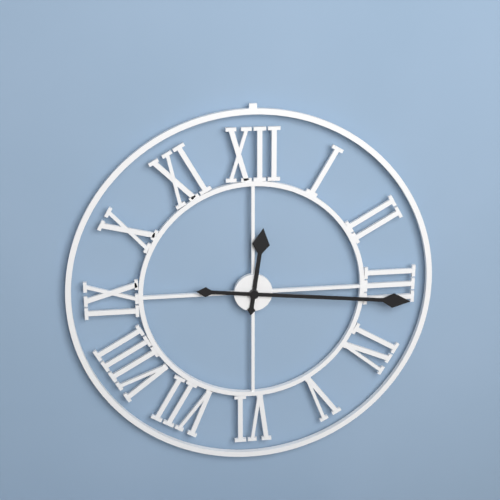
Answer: 12.16
